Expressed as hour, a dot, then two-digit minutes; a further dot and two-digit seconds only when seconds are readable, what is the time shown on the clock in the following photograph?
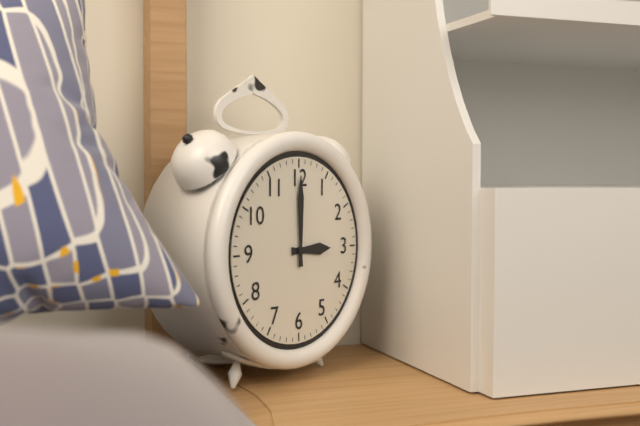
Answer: 3.00
